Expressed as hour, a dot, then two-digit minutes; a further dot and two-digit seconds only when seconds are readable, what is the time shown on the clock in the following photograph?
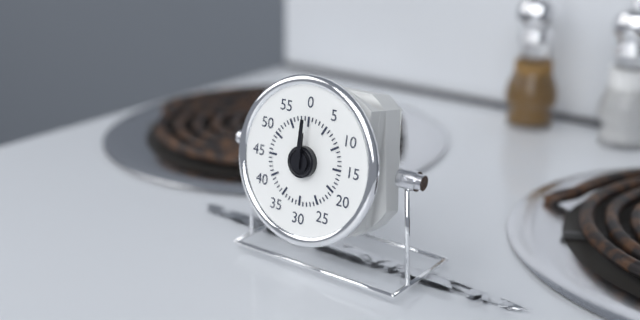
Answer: 12.00
